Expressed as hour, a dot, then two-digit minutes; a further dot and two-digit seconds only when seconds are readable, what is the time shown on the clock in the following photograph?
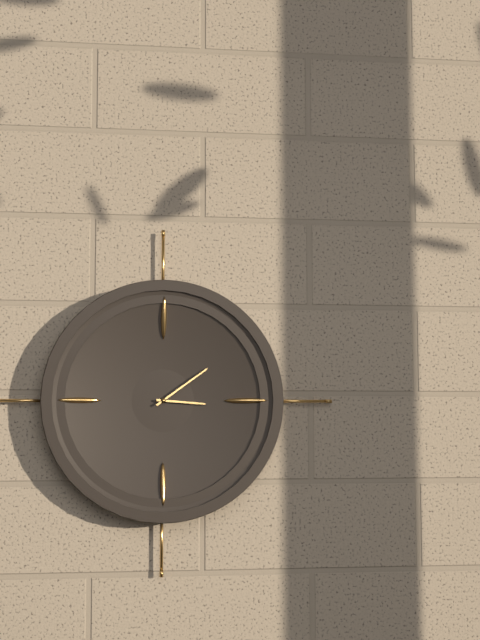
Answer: 3.09
